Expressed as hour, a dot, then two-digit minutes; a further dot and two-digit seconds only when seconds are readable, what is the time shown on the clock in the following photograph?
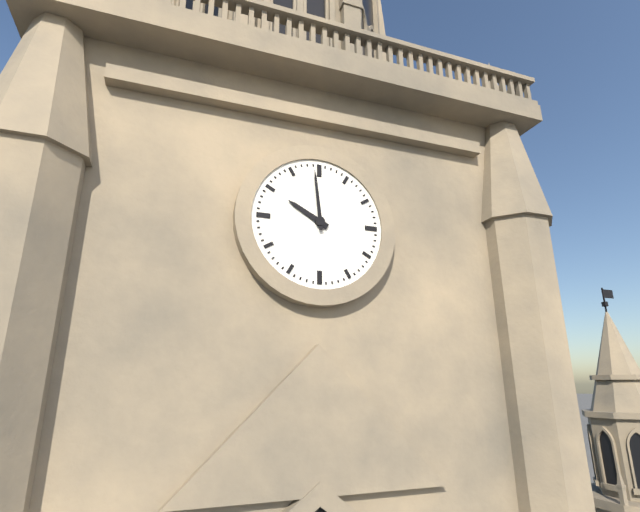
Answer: 9.59
